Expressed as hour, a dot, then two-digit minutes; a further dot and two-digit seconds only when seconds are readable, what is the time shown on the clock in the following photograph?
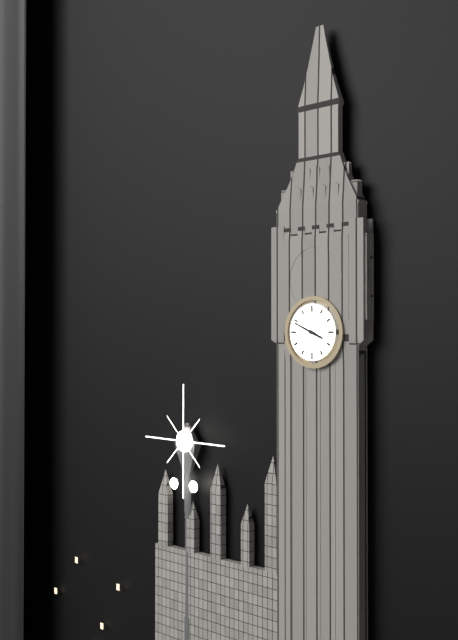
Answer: 3.49
